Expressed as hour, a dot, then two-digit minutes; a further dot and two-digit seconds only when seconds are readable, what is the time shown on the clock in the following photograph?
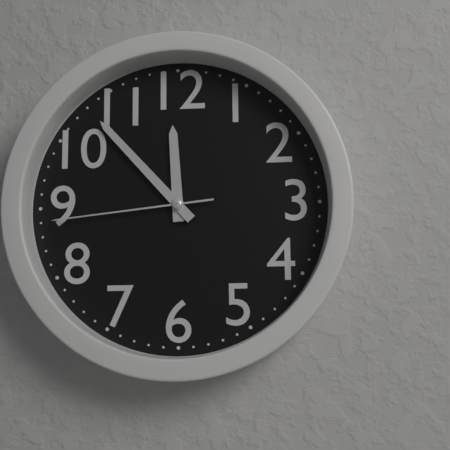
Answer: 11.53.44
